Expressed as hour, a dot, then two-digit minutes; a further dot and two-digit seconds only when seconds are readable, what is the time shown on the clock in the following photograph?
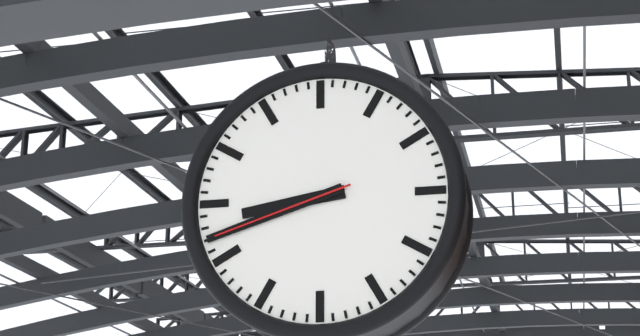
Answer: 8.42.42
